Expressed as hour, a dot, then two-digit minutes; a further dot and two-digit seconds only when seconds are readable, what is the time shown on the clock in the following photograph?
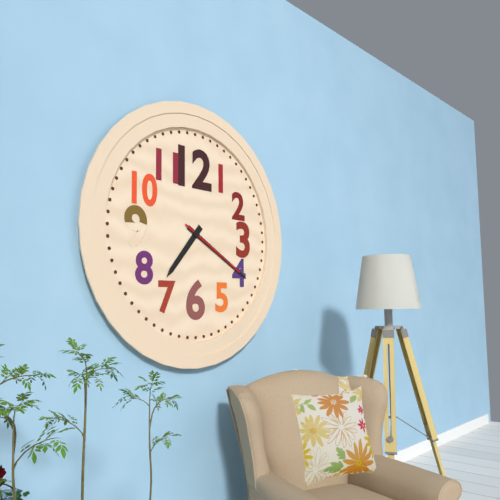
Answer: 7.20.20
